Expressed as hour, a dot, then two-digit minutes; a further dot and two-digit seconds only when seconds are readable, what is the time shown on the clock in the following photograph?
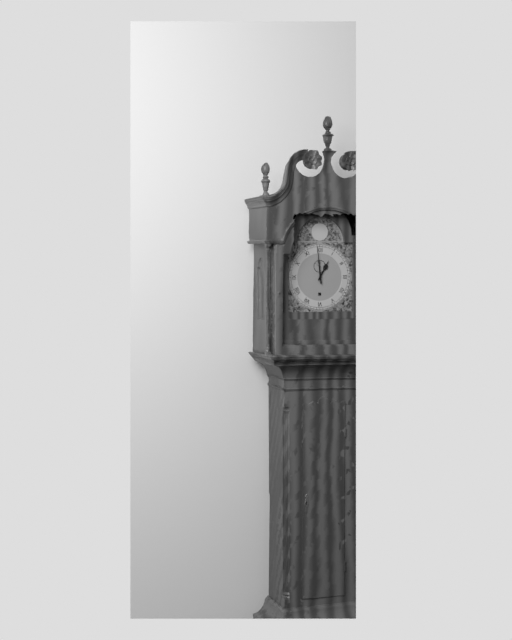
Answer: 12.59
